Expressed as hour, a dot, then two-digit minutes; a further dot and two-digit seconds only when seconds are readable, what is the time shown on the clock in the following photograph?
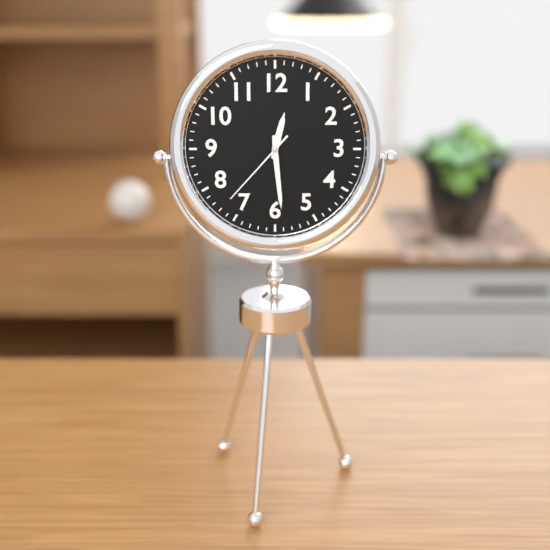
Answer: 12.29.37
